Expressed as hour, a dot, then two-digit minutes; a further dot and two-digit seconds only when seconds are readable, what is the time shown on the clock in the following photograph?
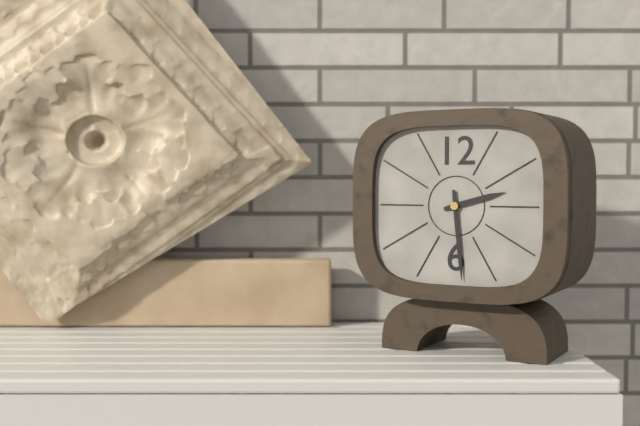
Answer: 2.29
